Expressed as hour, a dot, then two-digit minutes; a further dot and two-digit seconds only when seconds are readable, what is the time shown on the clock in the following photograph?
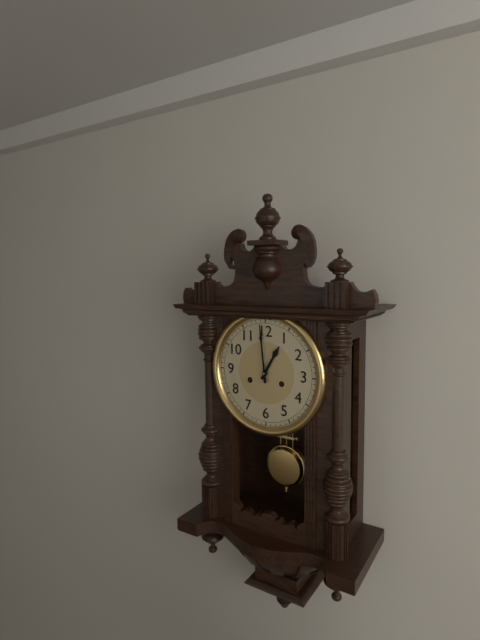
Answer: 12.59
